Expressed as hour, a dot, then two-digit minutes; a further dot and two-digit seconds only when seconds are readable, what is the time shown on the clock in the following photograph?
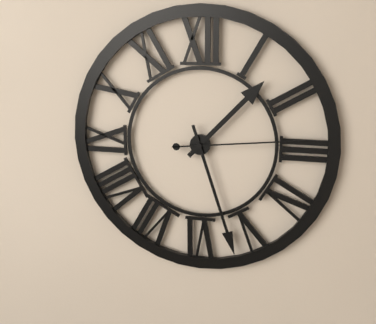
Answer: 1.27.14
